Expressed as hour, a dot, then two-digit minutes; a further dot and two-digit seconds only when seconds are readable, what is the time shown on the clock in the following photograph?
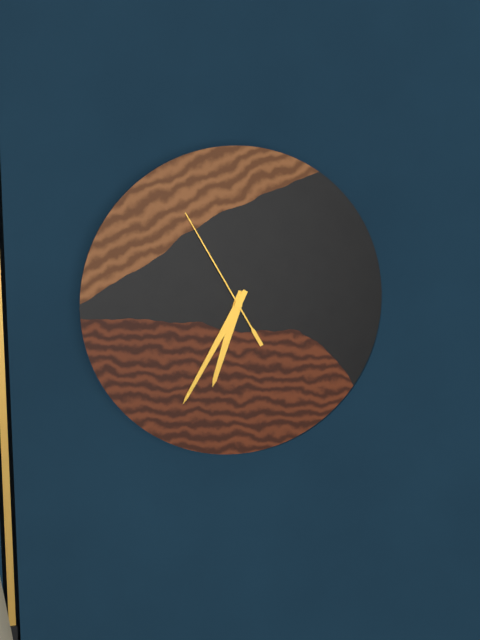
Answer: 6.35.55
